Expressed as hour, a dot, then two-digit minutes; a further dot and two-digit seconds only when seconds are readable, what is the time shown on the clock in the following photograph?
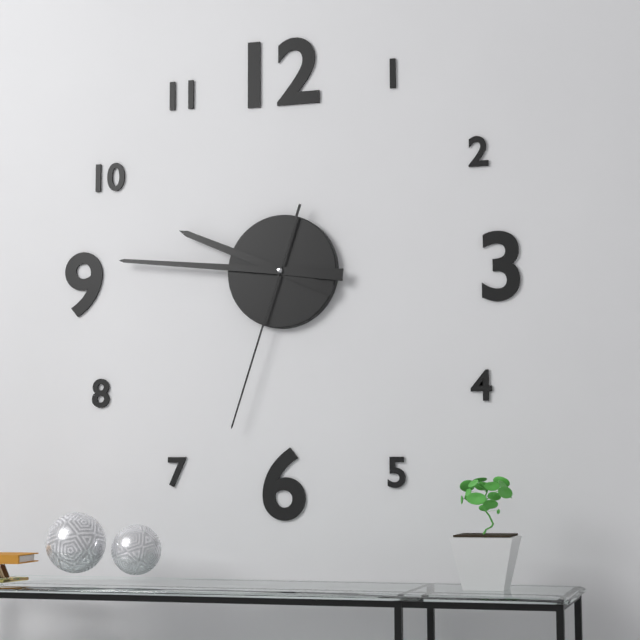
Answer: 9.46.33
